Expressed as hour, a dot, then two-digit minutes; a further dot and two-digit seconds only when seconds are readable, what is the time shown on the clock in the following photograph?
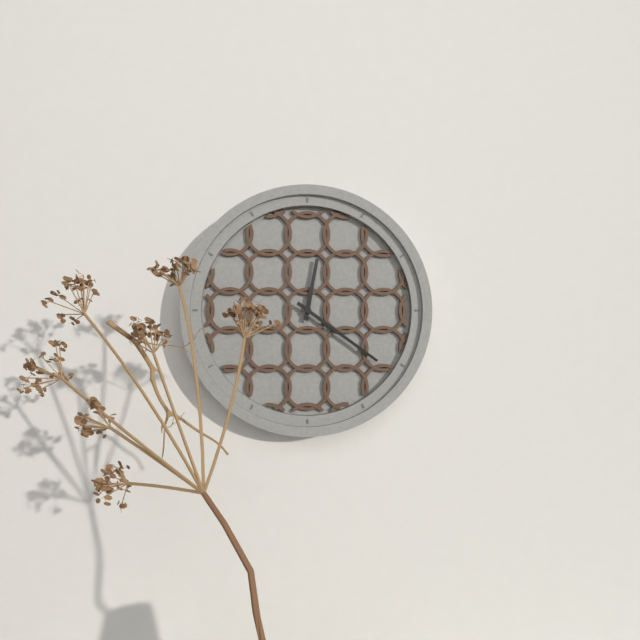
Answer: 12.21
